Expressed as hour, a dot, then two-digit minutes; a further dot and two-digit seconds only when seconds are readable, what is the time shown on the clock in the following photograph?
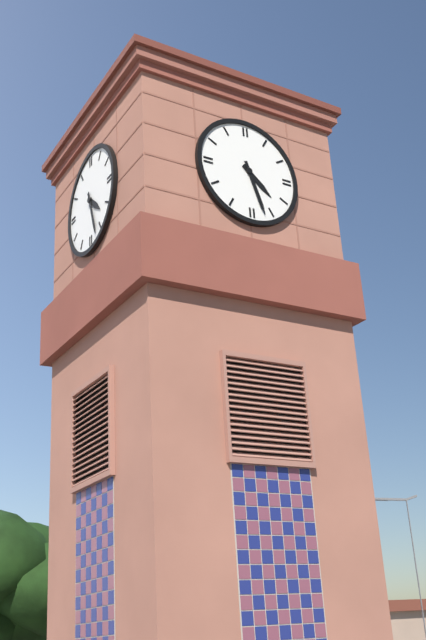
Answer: 4.27
